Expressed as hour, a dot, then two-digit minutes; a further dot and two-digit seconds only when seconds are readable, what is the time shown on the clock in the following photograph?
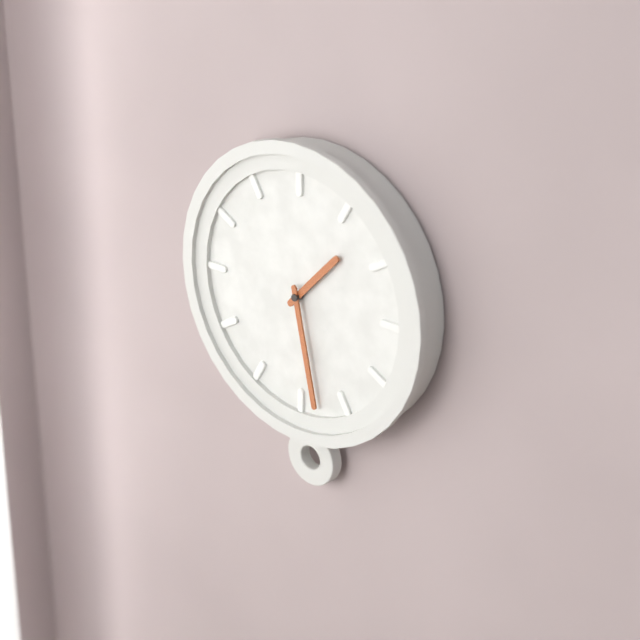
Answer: 1.28
